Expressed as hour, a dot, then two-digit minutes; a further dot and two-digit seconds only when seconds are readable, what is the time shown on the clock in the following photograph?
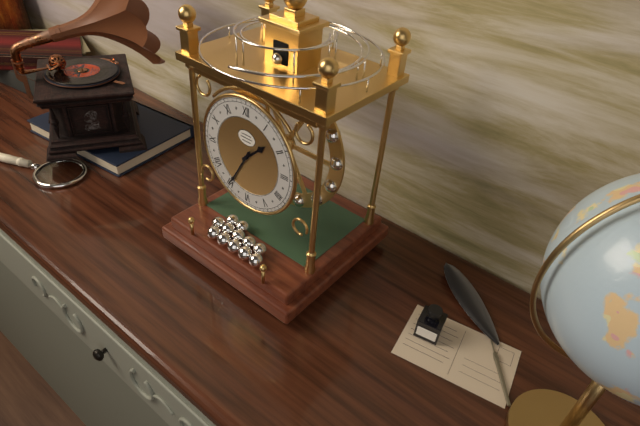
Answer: 1.35
